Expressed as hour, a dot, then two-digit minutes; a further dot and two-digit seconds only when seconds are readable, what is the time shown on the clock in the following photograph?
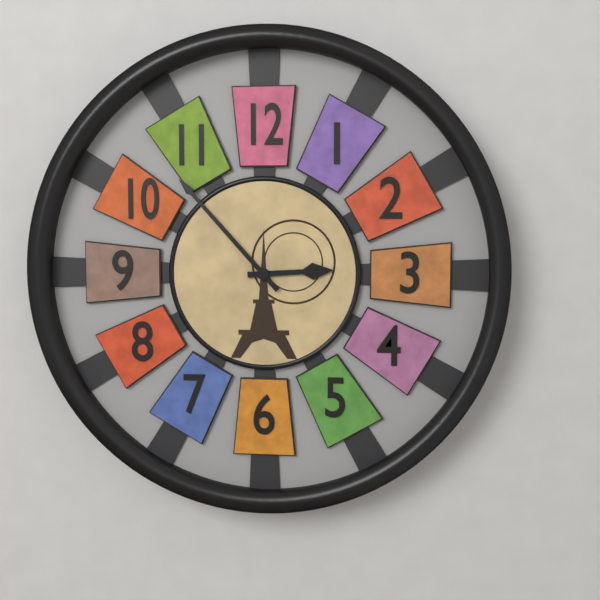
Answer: 2.53
